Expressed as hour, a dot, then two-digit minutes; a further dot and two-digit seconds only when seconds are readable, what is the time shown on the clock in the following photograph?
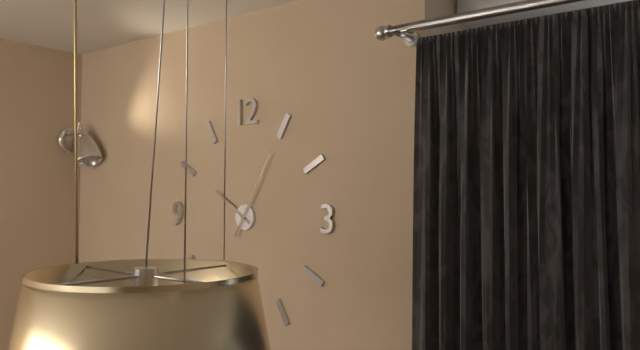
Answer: 10.05
